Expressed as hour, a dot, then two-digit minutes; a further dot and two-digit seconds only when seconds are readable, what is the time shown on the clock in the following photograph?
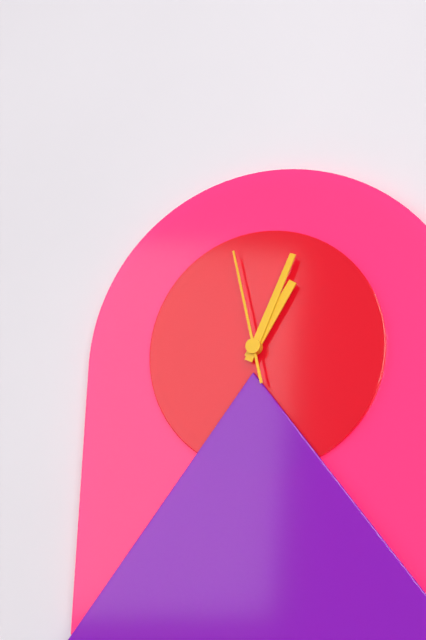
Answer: 1.04.58
